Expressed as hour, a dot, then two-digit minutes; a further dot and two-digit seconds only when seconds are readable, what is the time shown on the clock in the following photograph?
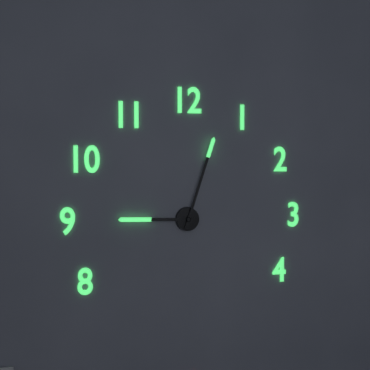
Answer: 9.03
